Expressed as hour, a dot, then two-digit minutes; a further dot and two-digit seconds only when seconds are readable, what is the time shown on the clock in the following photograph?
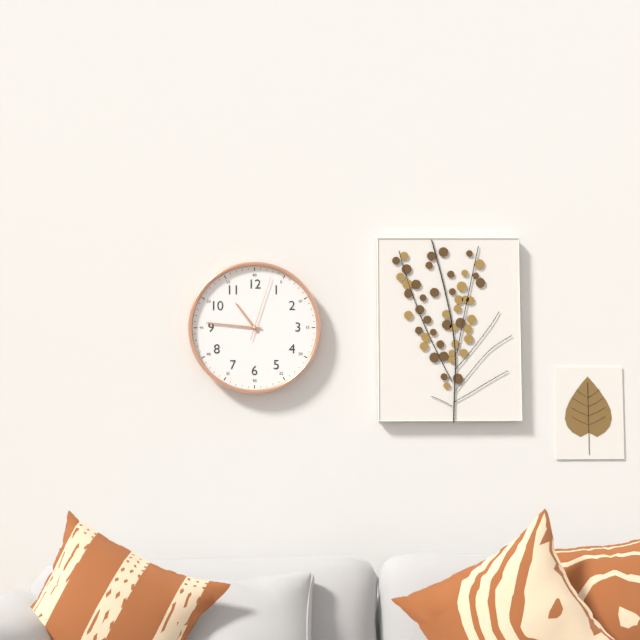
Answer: 10.46.03
